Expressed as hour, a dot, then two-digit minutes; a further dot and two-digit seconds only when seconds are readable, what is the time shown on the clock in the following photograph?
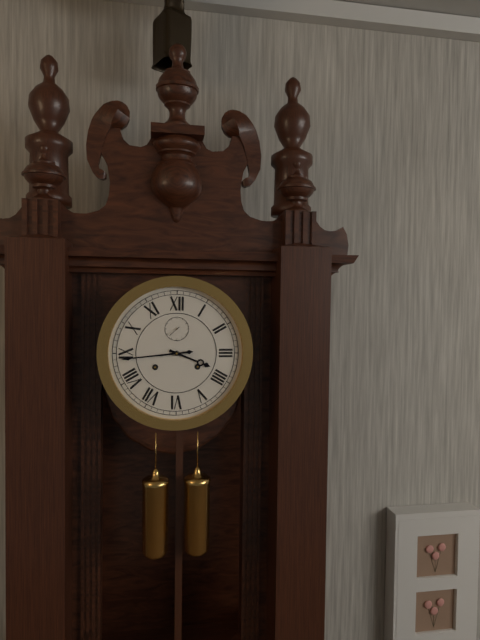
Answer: 3.44
